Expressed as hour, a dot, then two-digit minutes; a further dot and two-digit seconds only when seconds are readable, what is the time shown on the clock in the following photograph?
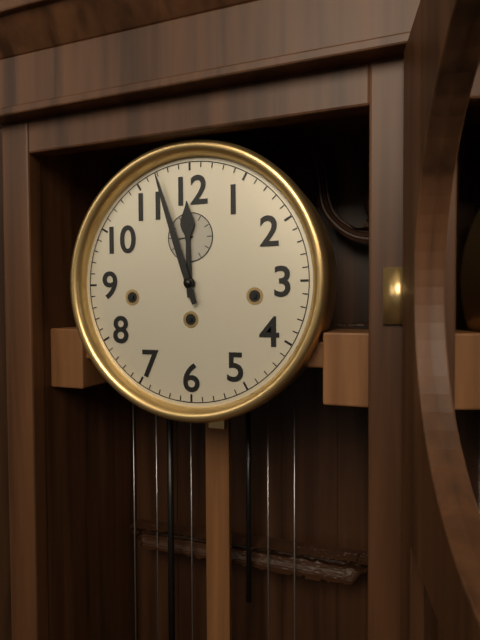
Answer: 11.57
